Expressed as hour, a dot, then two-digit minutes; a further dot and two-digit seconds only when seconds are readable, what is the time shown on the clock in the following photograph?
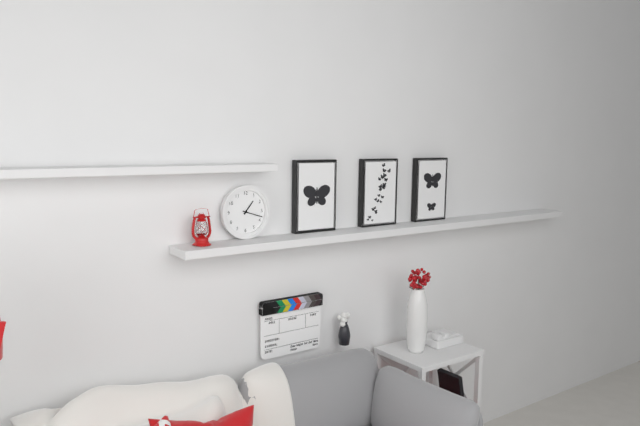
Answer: 1.18
